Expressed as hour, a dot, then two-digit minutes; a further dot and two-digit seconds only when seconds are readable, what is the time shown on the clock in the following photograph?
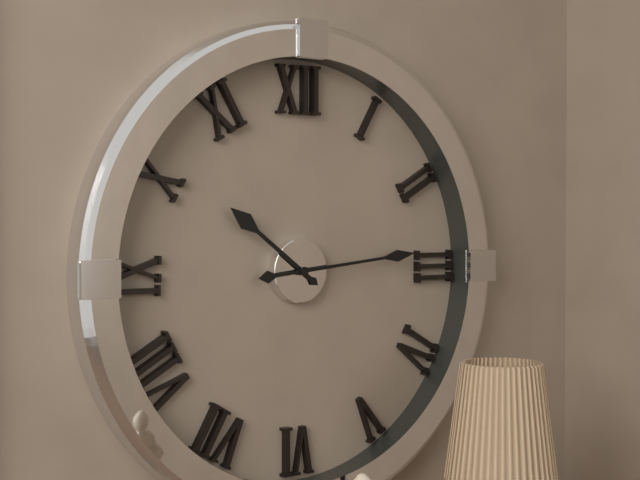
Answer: 10.14
